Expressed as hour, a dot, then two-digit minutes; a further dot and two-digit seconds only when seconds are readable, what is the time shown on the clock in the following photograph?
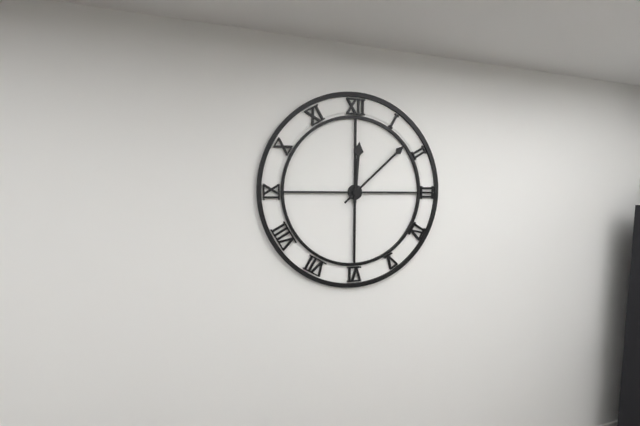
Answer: 12.08
